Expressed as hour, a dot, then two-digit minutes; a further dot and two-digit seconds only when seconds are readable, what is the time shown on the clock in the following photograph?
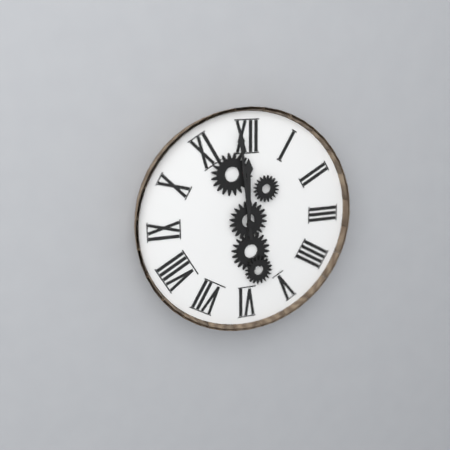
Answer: 11.59
